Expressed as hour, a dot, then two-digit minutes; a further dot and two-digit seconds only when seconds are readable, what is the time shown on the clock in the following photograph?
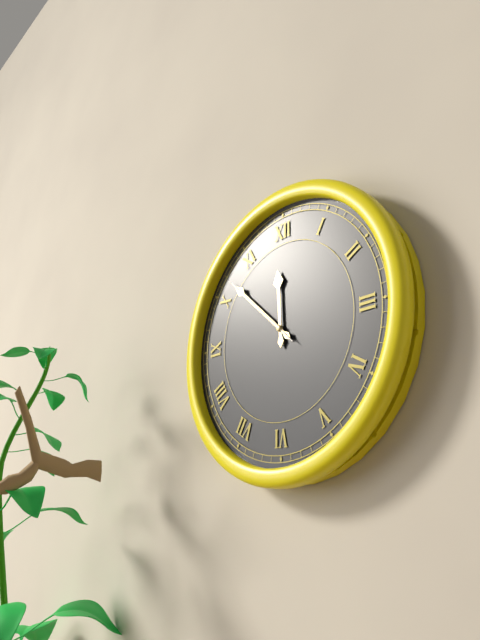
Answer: 11.52.52
